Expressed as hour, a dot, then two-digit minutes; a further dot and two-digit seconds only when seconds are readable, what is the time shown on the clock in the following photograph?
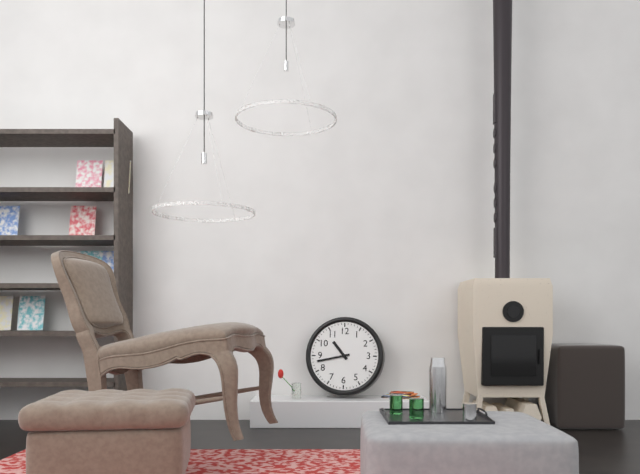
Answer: 10.43
